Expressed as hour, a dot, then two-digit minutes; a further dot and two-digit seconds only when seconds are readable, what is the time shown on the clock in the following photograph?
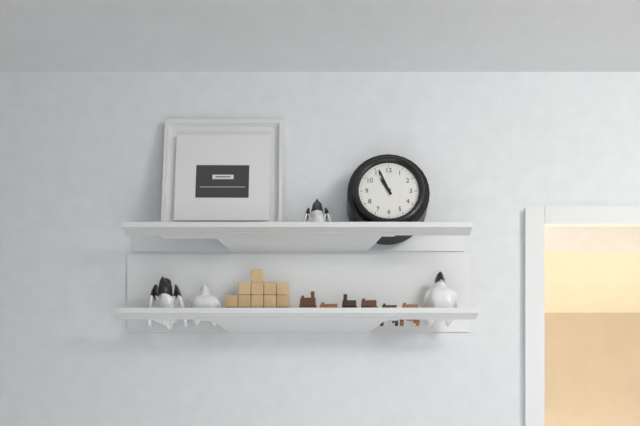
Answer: 10.56
